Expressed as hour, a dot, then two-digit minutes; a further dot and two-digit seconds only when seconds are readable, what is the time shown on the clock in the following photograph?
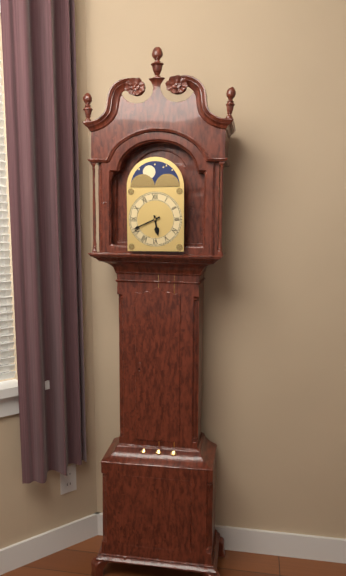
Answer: 5.41
